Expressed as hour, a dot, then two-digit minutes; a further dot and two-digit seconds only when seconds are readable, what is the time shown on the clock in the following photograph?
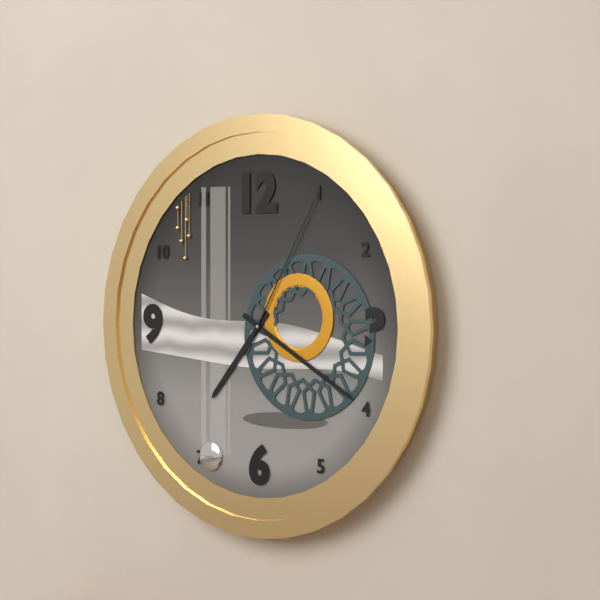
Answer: 7.20.05
